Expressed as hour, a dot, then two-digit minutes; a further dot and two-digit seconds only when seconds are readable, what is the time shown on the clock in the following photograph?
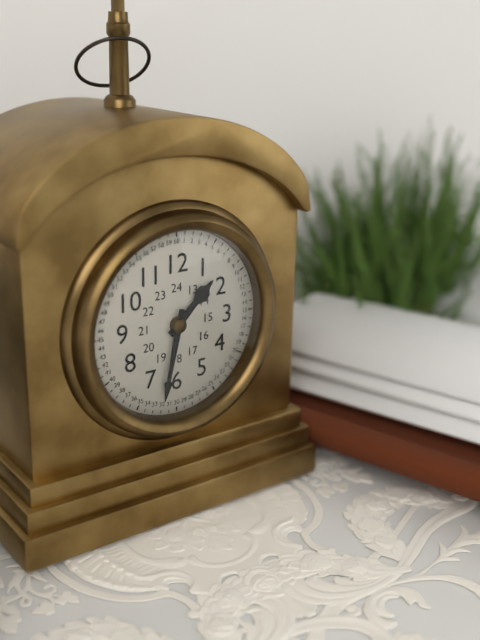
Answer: 1.32
